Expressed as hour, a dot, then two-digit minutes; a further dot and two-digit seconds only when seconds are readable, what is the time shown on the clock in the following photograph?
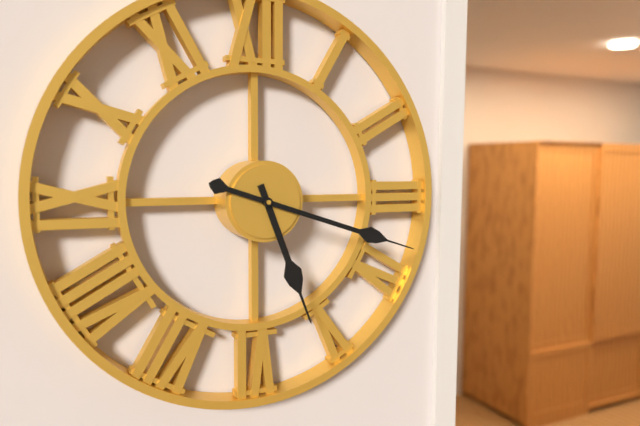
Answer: 5.18
